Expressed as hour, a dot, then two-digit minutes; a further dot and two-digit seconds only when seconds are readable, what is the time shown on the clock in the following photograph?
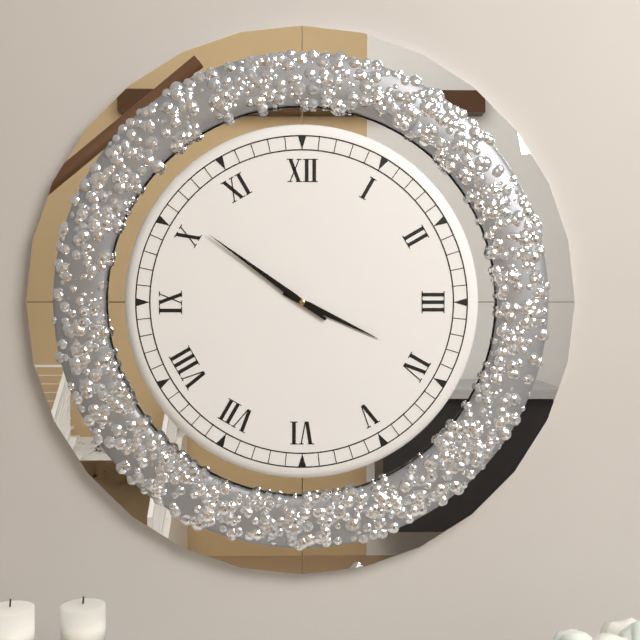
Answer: 3.51
